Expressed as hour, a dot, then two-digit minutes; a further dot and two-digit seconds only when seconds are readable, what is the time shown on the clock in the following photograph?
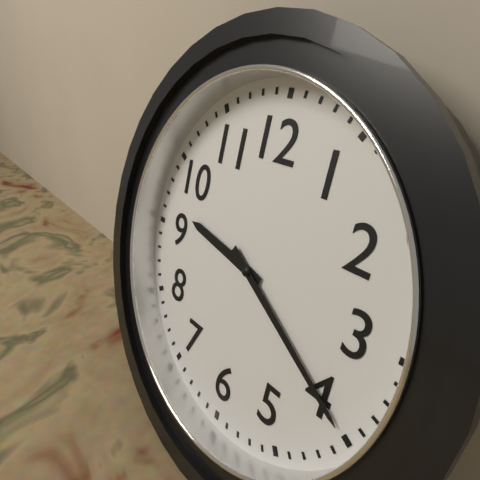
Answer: 9.20
